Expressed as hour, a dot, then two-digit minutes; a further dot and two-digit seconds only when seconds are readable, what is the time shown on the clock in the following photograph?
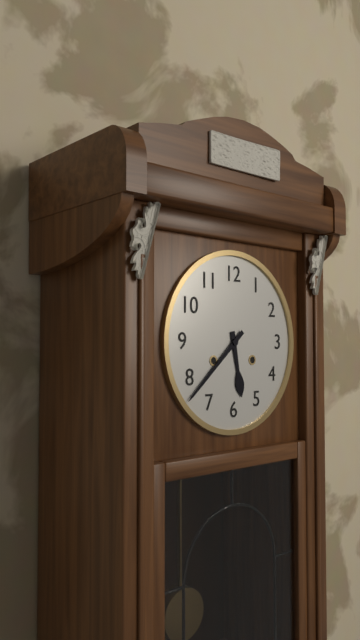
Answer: 5.38
